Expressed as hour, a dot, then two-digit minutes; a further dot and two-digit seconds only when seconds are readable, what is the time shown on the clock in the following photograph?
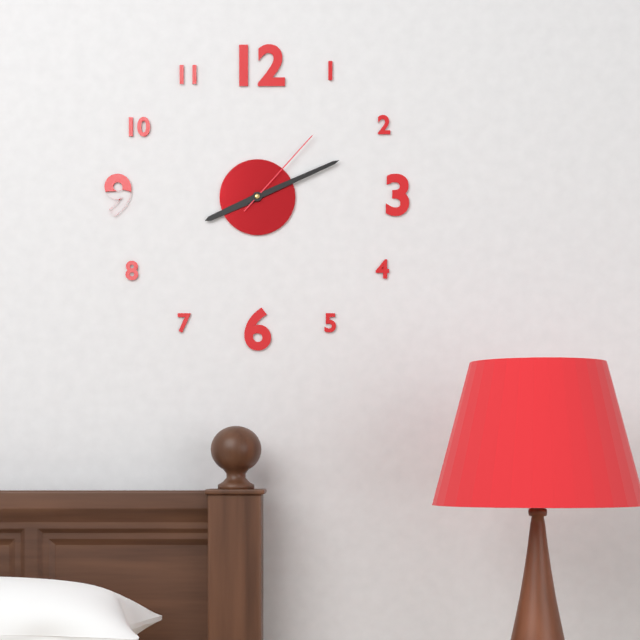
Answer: 8.11.07
